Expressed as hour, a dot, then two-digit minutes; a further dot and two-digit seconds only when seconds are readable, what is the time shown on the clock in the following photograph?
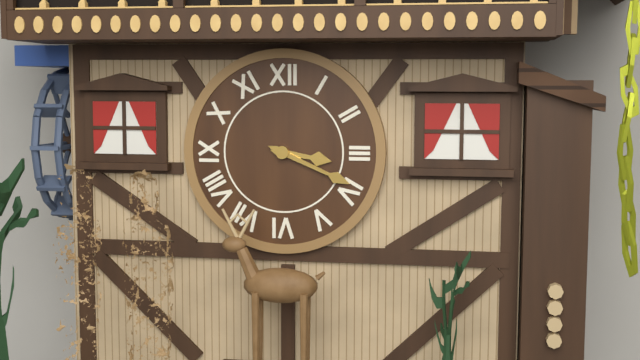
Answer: 3.19
